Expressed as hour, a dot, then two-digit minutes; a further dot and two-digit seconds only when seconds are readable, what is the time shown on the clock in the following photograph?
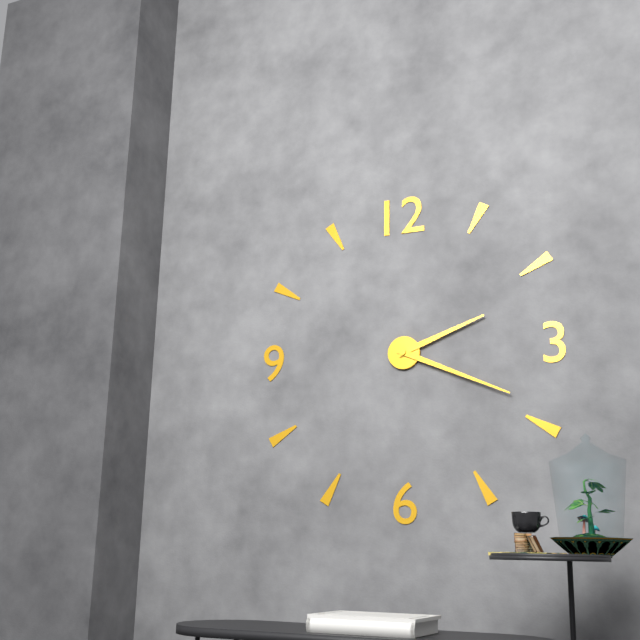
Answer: 2.19
